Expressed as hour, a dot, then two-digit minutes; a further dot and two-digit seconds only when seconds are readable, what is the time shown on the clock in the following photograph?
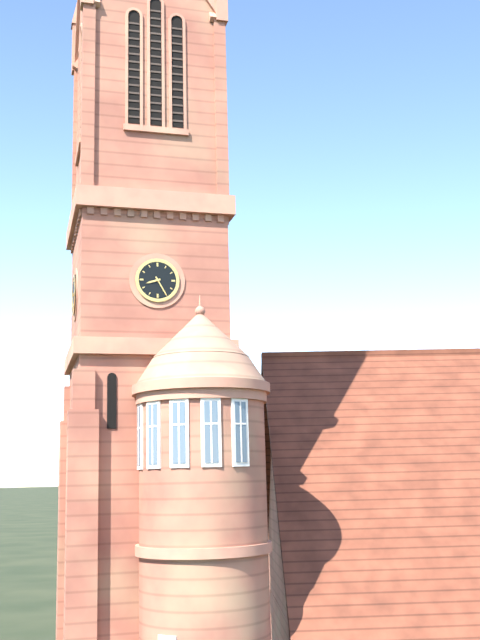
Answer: 8.25
